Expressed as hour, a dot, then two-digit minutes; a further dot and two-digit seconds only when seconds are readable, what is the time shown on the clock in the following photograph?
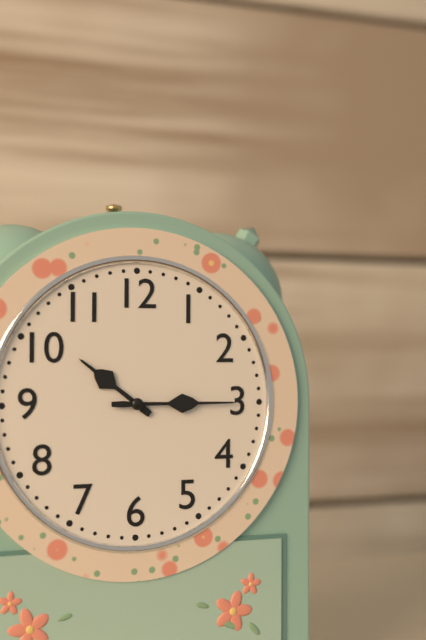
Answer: 10.15
